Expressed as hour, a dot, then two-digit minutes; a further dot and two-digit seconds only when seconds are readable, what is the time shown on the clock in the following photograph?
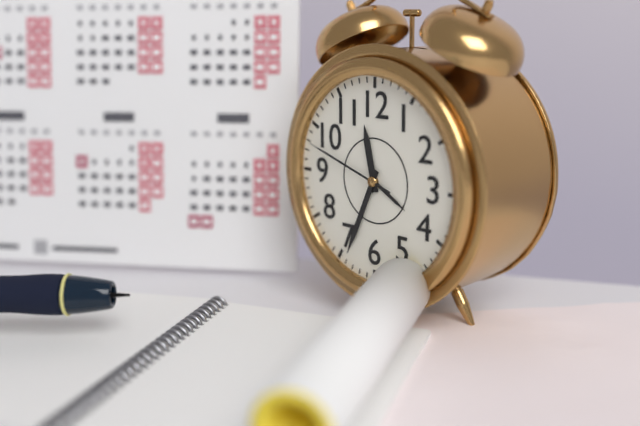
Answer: 11.34.48
